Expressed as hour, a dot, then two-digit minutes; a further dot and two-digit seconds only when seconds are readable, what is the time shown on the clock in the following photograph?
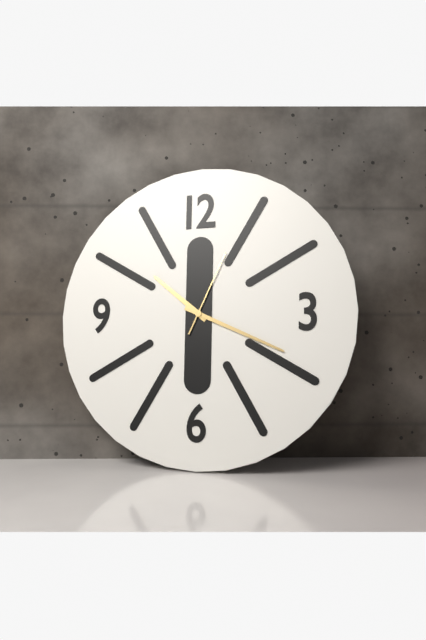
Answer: 10.19.04
